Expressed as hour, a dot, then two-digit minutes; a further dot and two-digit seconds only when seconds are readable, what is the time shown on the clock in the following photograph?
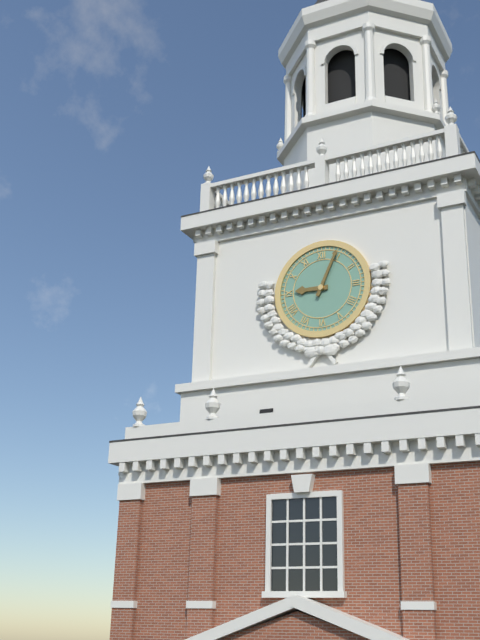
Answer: 9.04
